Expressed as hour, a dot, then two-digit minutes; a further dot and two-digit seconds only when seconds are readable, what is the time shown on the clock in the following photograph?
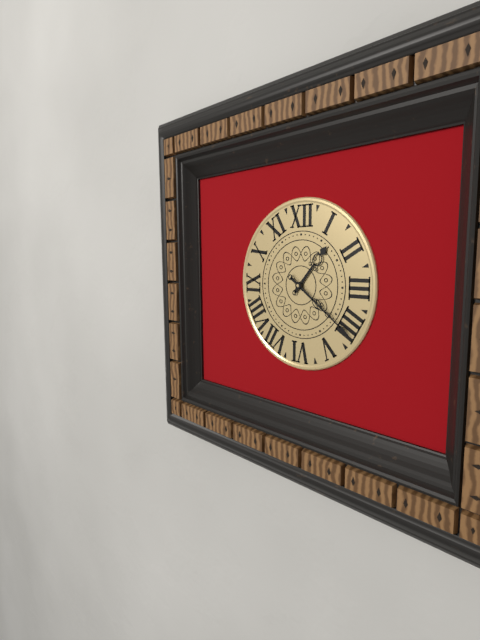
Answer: 1.21
